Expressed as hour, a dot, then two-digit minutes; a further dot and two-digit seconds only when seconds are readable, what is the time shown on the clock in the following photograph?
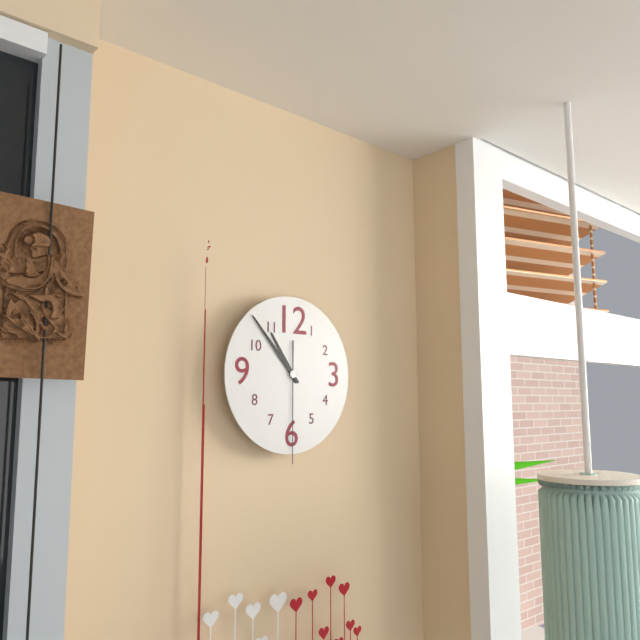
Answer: 10.53.30
